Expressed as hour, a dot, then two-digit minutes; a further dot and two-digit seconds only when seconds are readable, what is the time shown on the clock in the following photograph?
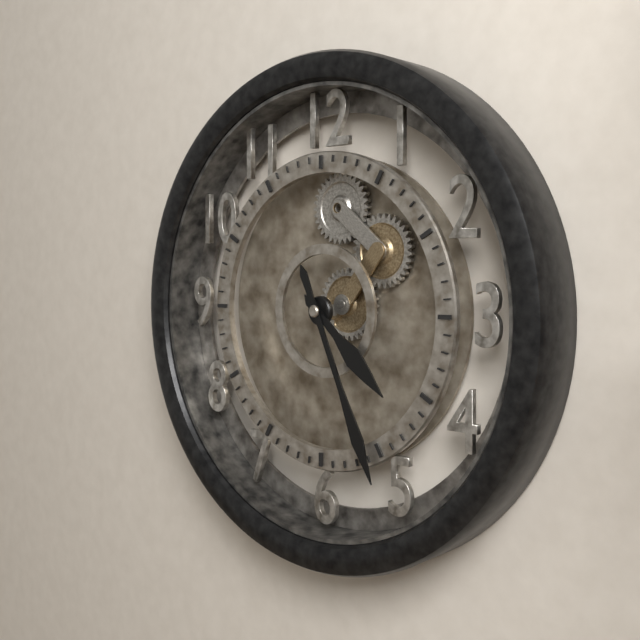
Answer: 4.26
